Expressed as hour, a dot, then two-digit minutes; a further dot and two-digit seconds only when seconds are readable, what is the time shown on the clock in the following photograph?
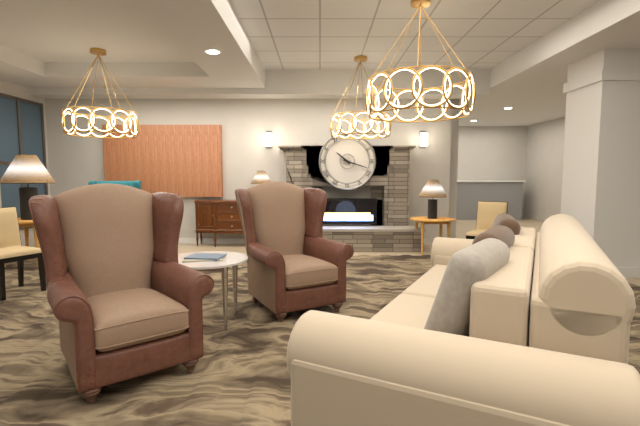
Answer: 10.18
